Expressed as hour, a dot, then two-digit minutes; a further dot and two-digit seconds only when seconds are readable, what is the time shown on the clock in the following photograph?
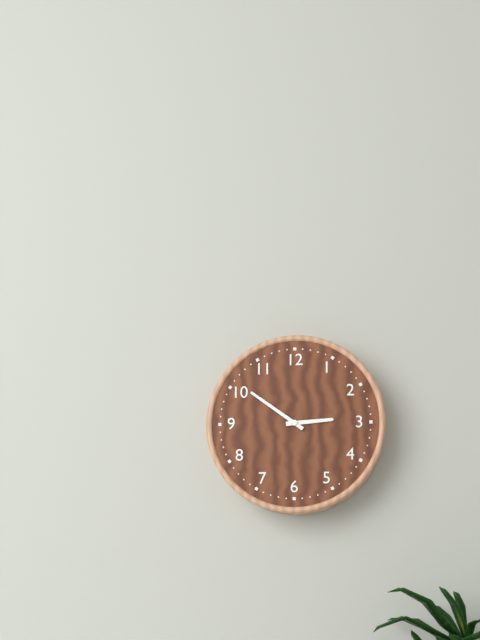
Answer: 2.51
